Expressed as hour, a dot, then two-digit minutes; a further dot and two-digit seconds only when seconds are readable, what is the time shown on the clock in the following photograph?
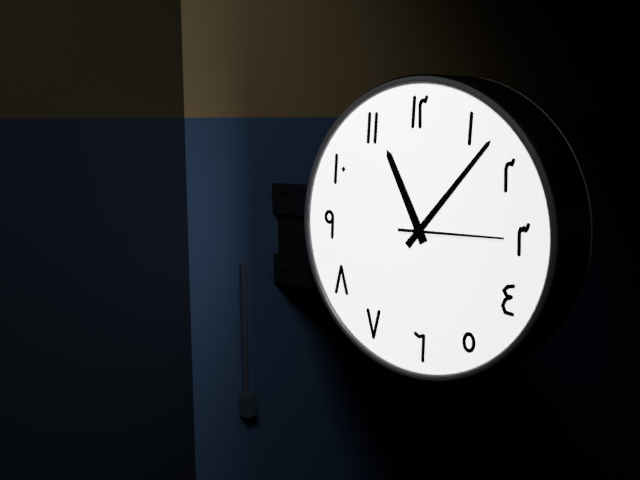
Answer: 11.07.15
